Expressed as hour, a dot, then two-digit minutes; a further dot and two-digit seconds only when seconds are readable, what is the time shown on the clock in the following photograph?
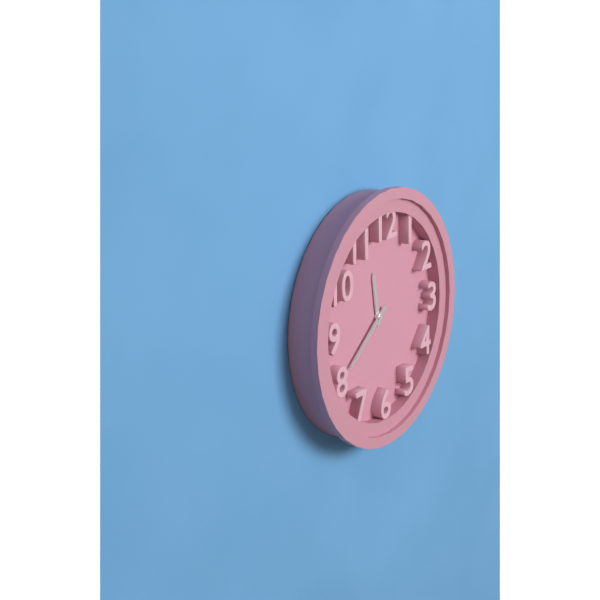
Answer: 11.39
